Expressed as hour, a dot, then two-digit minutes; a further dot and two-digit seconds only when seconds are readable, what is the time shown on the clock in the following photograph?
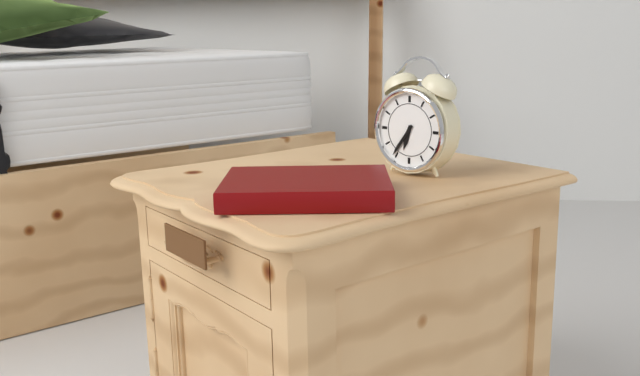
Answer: 6.36
